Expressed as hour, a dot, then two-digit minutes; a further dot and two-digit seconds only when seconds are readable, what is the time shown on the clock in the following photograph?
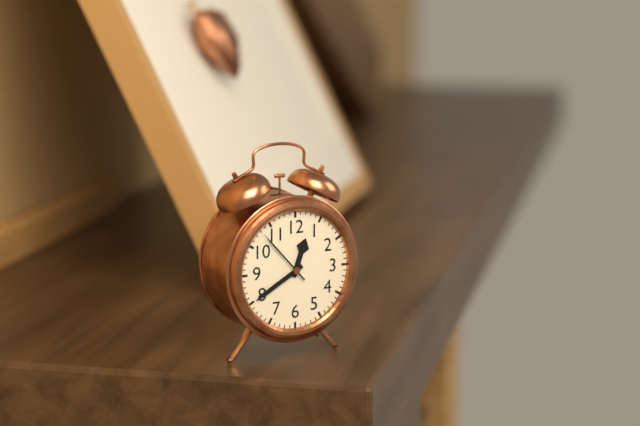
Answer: 12.40.53
